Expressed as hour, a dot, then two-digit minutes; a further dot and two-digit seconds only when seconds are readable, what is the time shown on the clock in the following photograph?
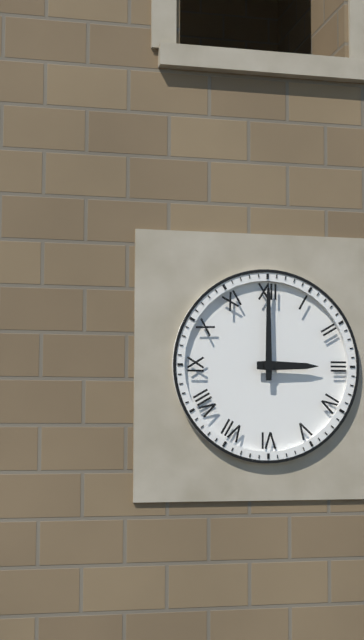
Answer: 3.00
